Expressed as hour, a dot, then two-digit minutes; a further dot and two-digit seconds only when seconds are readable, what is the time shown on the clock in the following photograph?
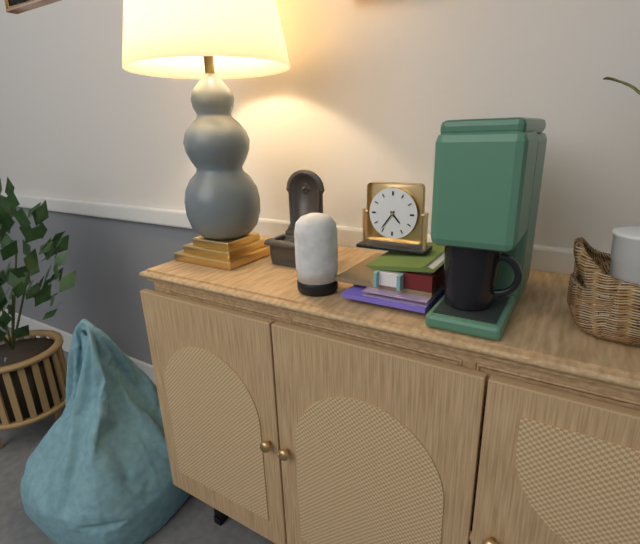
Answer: 4.36
